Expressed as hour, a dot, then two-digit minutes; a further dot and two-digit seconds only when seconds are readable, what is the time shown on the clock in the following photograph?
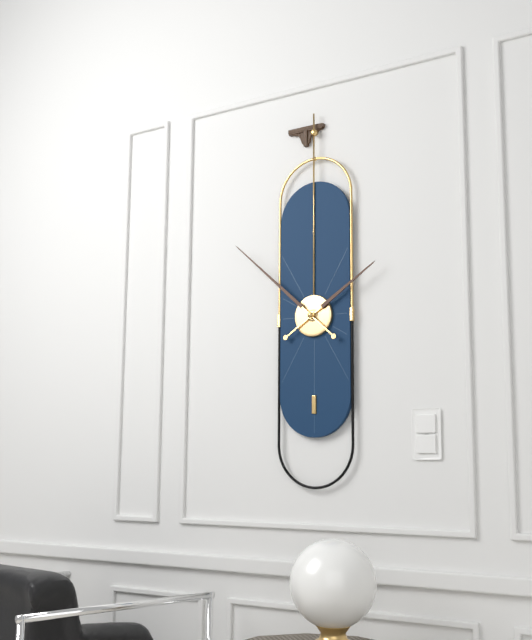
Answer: 1.52
